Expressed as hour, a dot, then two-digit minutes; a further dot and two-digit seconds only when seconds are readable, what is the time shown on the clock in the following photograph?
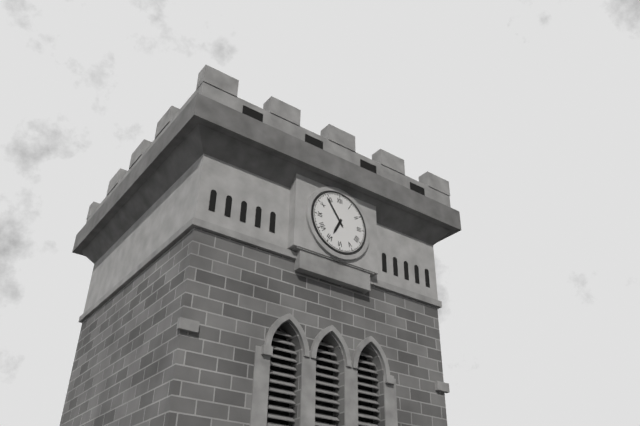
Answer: 6.54
